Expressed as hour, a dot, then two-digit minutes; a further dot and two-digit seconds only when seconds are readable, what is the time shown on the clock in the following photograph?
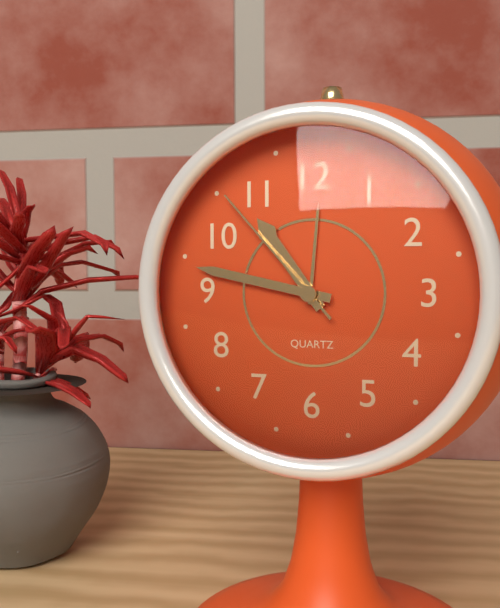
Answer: 10.47.53
